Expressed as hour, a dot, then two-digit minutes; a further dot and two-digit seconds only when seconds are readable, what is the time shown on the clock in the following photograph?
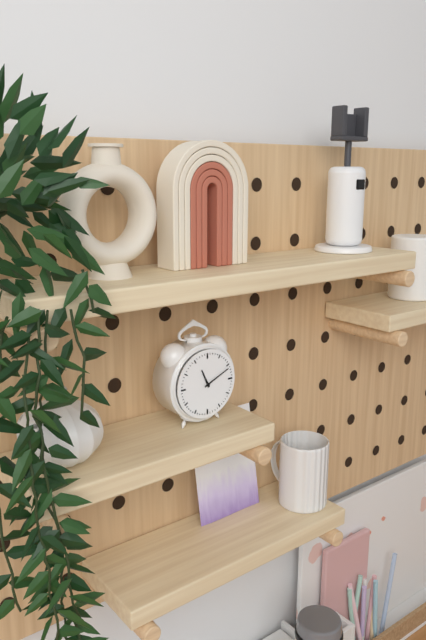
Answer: 11.11
